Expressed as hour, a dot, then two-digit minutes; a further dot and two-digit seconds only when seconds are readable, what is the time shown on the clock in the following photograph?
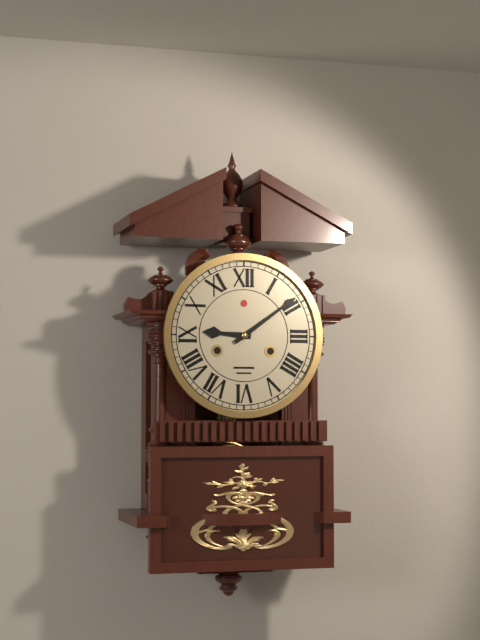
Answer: 9.09
